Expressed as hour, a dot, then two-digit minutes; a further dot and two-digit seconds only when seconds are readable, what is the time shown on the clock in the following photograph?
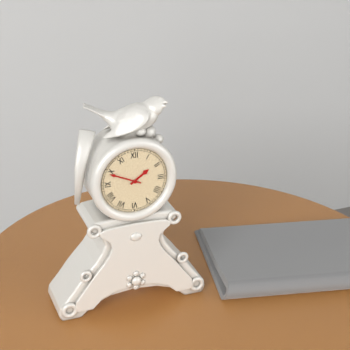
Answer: 1.49
